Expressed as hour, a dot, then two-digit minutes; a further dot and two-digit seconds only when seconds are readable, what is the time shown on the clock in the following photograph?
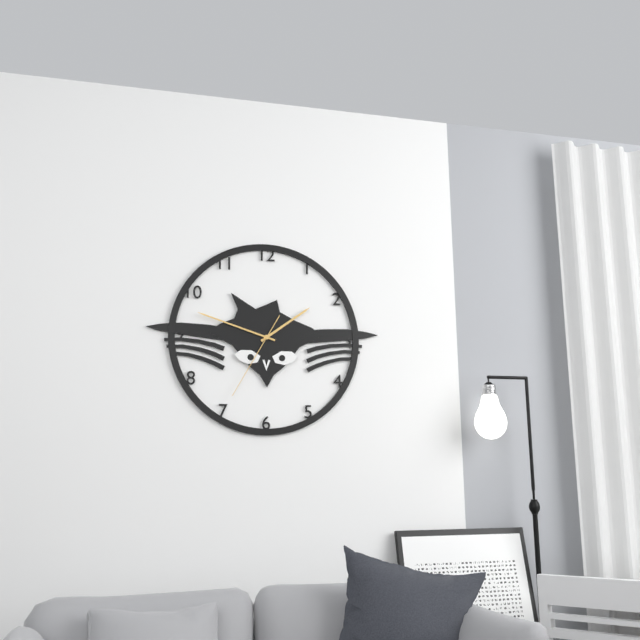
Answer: 1.48.35
